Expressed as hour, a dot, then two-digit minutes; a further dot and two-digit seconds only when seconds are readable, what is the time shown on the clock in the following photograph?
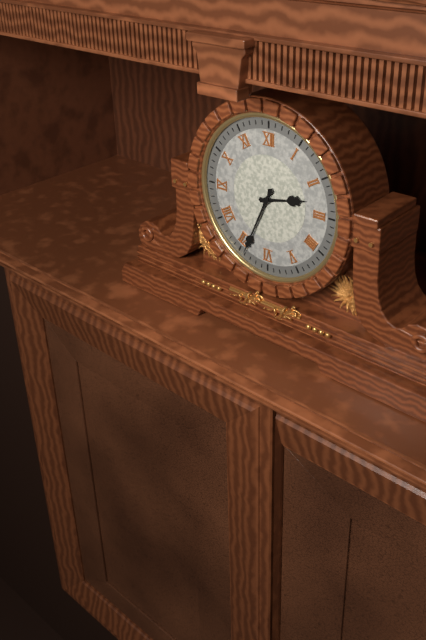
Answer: 2.34
